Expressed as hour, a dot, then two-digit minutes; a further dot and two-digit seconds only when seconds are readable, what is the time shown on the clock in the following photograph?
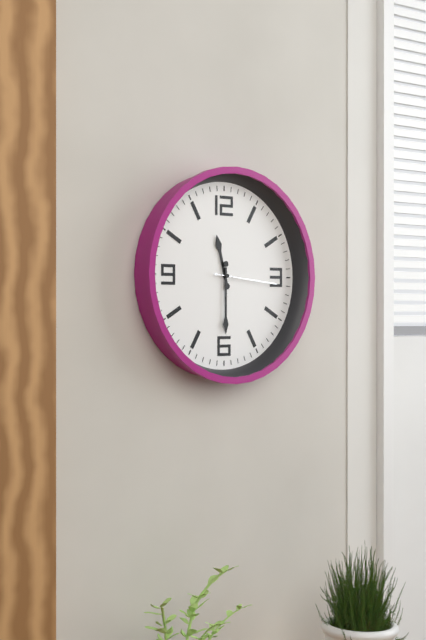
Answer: 11.30.16
